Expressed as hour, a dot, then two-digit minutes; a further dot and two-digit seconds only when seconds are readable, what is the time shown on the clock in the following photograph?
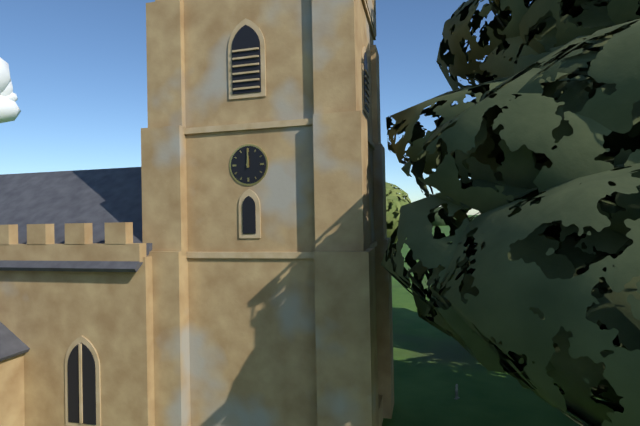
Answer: 12.00
